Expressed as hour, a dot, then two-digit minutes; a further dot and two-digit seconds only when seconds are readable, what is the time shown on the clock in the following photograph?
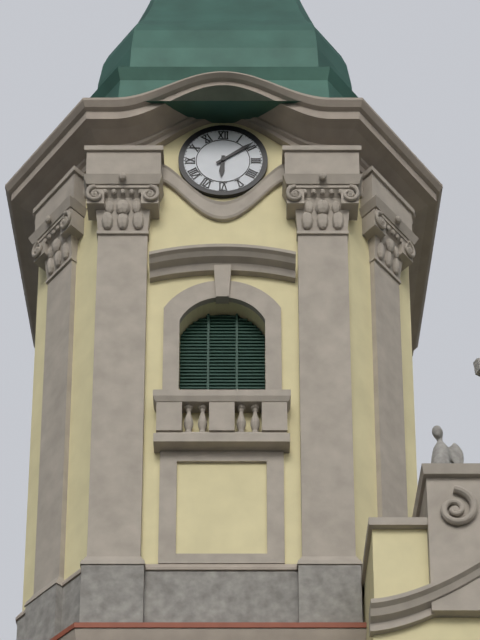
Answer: 6.09
